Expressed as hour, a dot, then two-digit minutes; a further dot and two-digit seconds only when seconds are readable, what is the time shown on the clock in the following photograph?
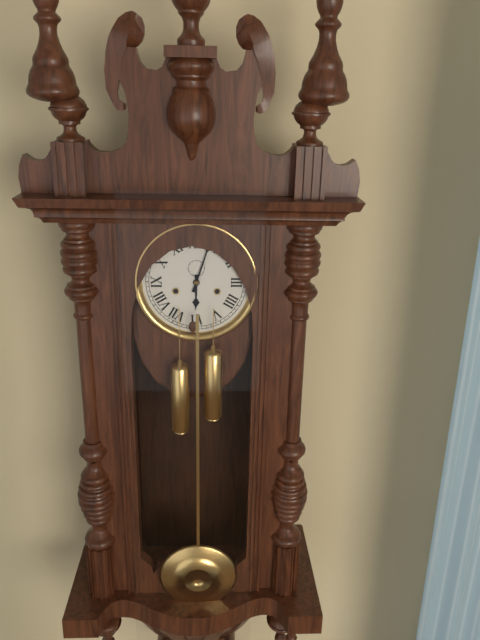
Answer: 6.03
